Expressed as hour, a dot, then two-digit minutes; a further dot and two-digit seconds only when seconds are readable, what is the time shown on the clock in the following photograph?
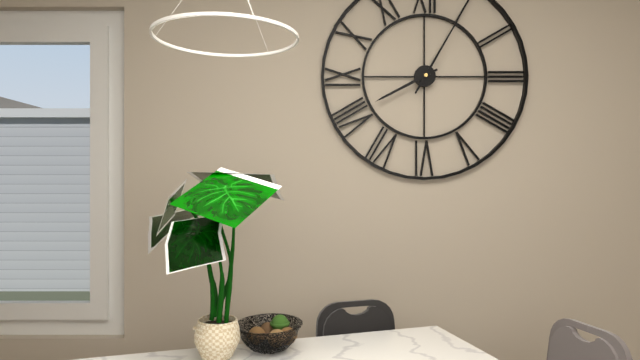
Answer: 8.05
